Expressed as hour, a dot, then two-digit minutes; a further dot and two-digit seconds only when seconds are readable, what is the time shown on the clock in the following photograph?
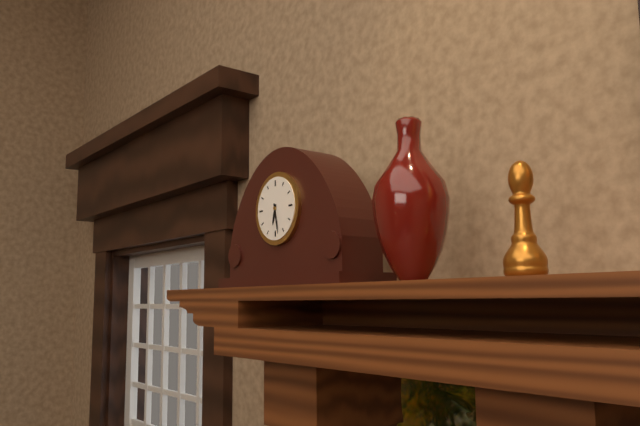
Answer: 6.28
